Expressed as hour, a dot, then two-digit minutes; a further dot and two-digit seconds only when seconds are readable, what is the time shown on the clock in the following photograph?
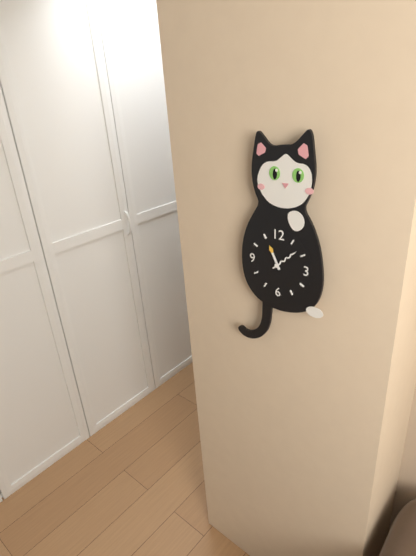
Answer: 11.08
